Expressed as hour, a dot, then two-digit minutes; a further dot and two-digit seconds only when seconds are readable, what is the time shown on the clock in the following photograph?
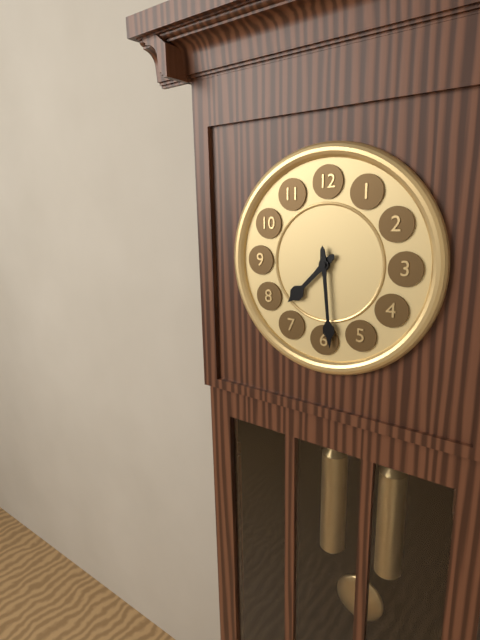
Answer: 7.29
